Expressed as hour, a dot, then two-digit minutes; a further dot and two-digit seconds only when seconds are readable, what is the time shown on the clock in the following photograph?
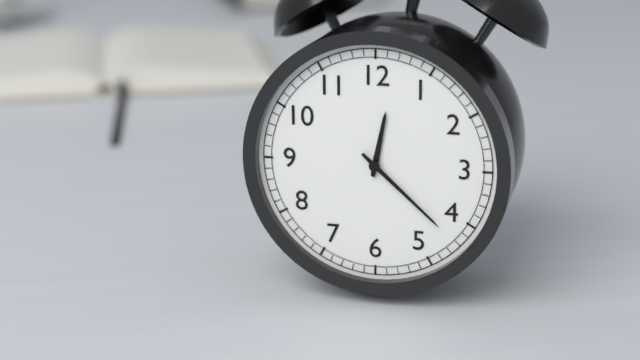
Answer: 12.22
